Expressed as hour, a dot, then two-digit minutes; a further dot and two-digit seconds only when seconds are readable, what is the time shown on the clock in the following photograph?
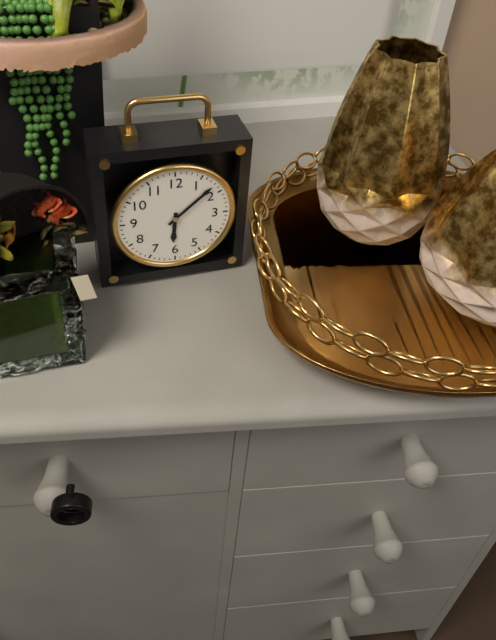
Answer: 6.08
